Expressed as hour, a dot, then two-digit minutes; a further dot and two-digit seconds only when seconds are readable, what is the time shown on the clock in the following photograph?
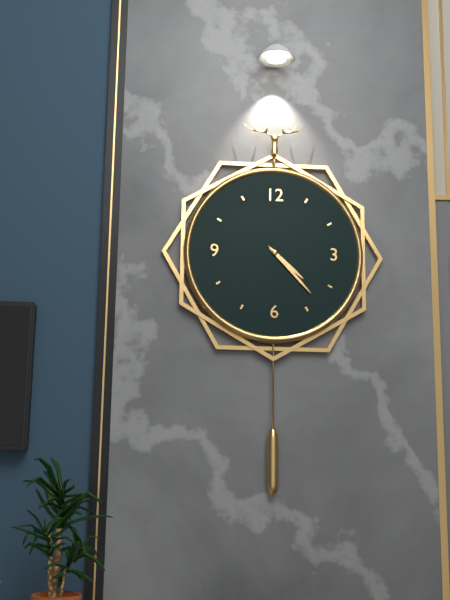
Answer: 4.23
